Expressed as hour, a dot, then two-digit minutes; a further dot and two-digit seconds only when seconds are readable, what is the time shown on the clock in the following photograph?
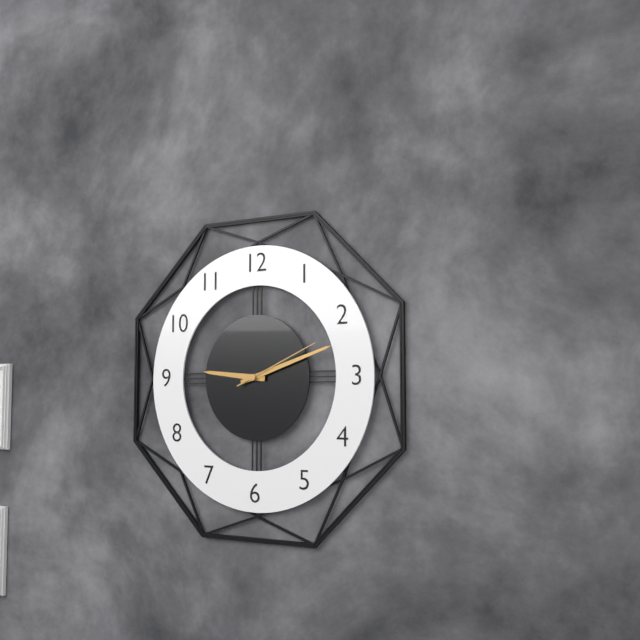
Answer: 9.12.11
